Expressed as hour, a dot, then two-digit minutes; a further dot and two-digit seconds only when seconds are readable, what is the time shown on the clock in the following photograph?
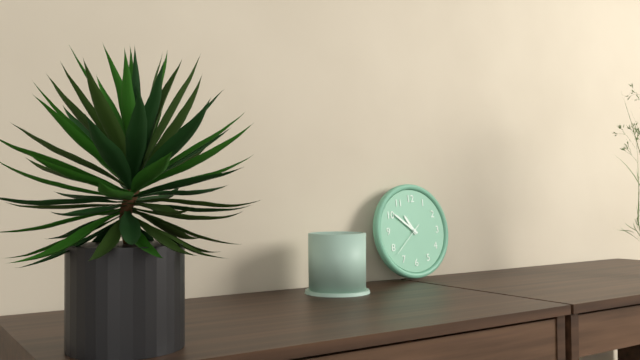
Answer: 10.51
